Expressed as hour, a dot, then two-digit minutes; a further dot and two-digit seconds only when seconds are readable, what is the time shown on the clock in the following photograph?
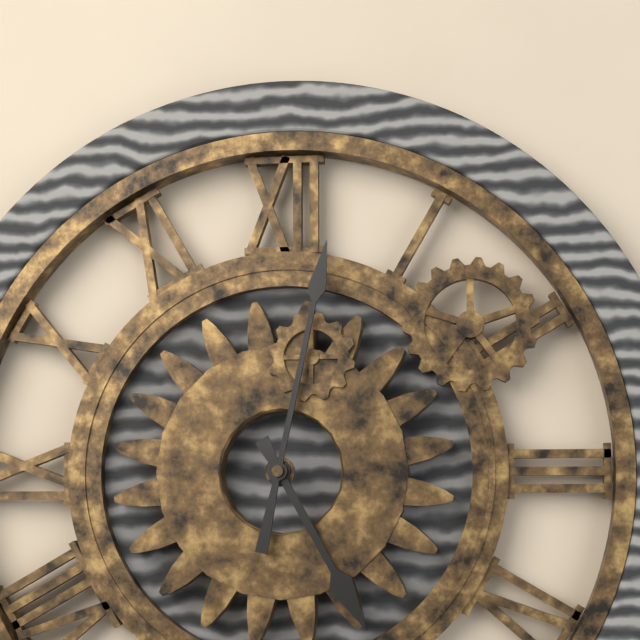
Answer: 5.02
